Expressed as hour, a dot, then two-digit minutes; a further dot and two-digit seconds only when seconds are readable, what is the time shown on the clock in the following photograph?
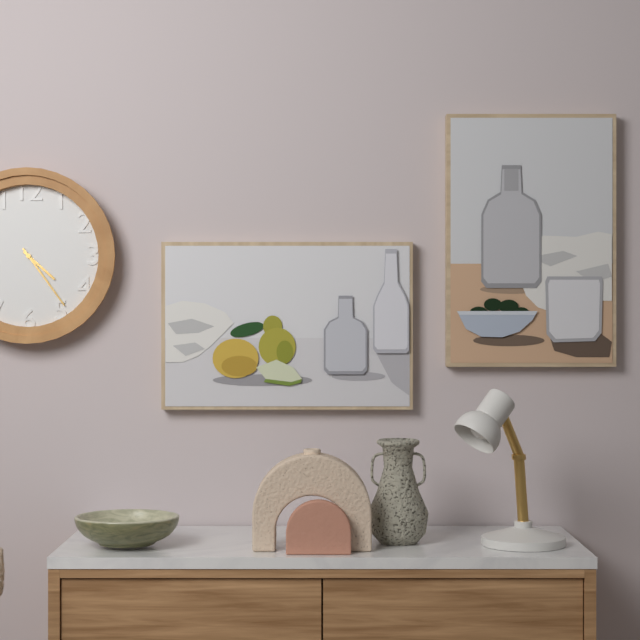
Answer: 4.24
